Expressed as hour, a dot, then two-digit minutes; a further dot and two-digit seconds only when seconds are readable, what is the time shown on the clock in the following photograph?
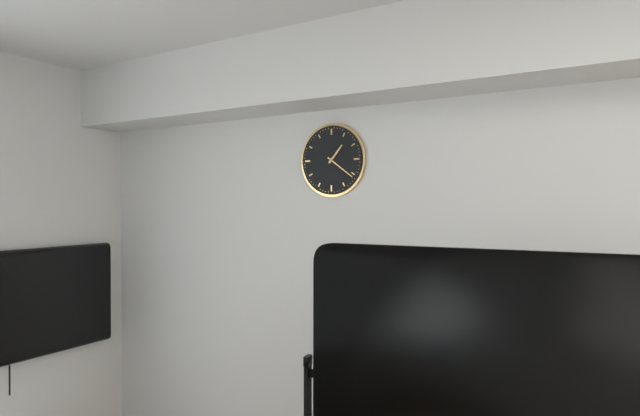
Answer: 1.21
